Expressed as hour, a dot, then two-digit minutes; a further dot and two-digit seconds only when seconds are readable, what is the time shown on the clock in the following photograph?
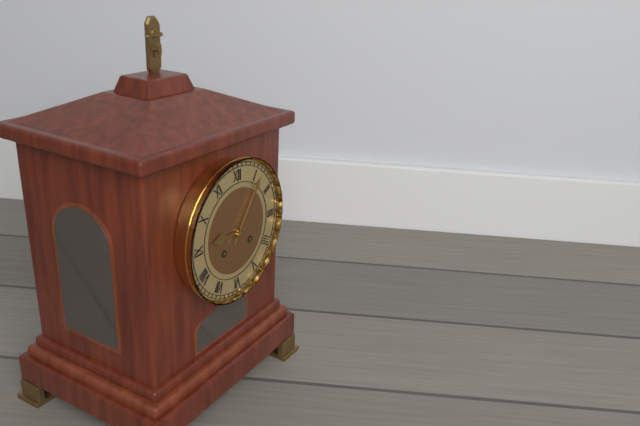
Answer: 9.06
